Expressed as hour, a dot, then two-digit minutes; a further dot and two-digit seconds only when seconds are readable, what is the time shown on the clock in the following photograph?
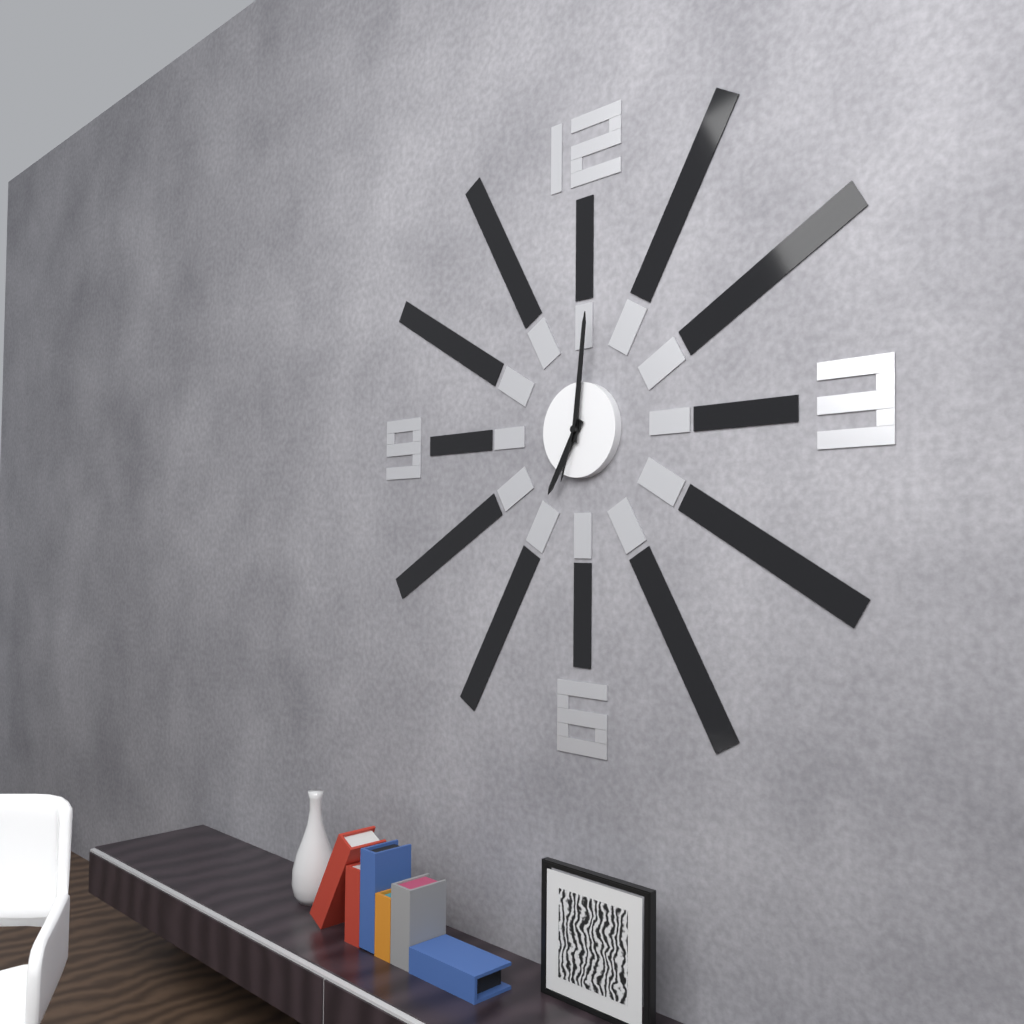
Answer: 7.01.33
